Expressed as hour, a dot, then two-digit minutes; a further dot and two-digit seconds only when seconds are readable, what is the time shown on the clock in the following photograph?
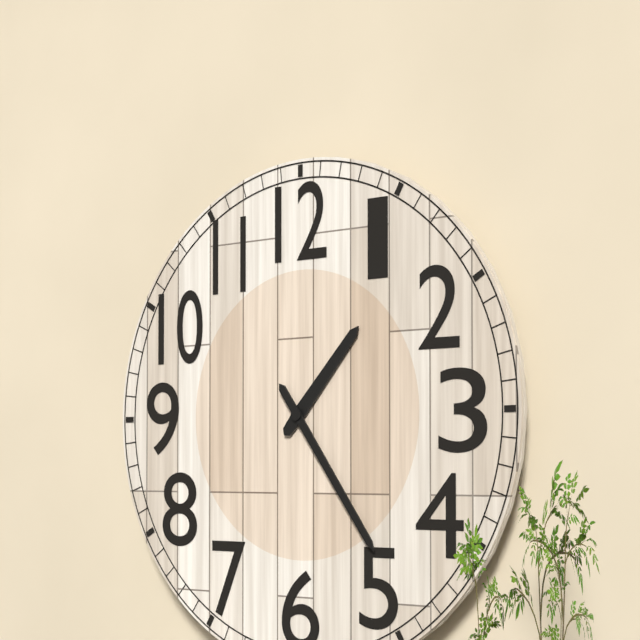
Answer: 1.24
